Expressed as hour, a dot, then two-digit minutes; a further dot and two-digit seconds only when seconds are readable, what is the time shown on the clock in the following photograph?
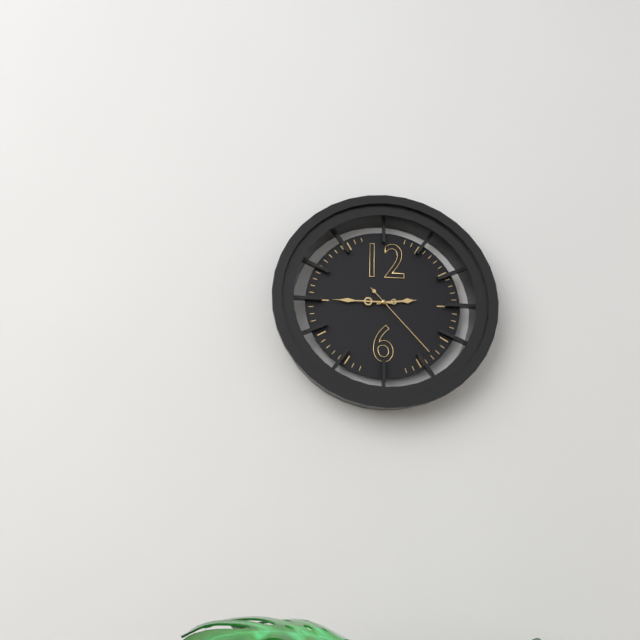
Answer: 2.45.23
